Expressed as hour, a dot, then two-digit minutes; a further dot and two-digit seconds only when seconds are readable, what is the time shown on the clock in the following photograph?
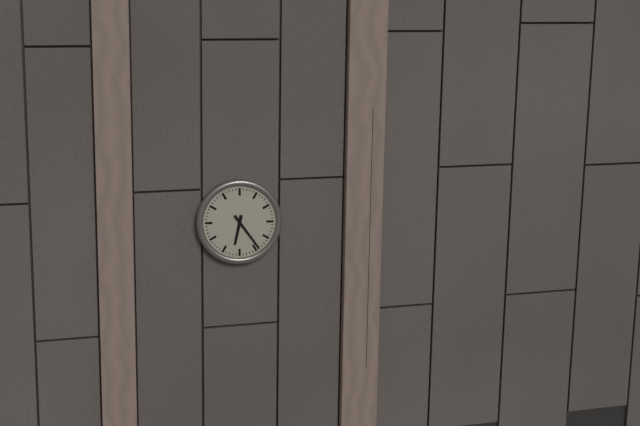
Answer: 6.24
